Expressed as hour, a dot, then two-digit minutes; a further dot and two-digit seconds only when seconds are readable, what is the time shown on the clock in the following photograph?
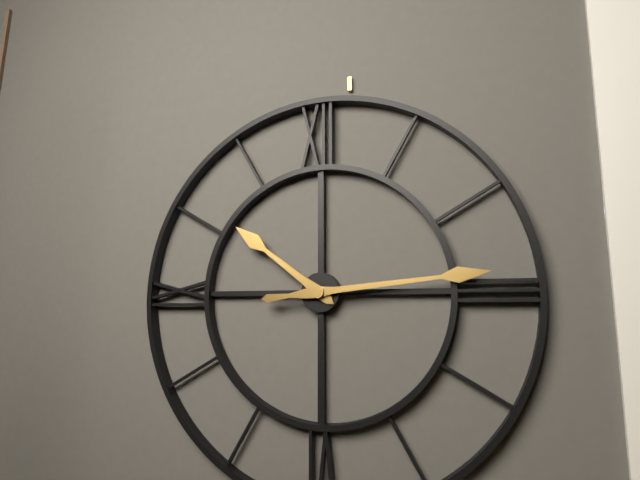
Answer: 10.14
